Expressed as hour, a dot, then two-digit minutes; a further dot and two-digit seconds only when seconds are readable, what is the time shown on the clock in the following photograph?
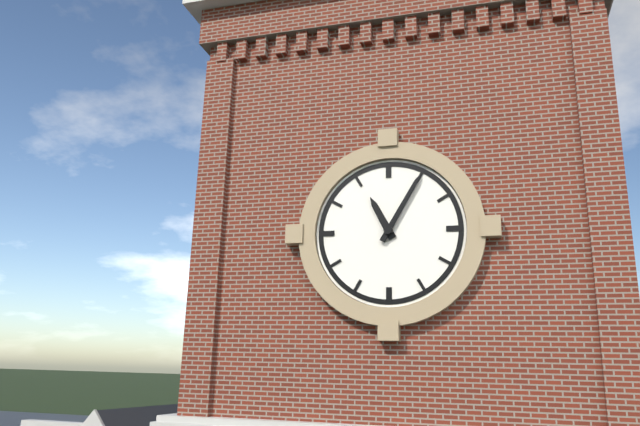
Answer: 11.05
